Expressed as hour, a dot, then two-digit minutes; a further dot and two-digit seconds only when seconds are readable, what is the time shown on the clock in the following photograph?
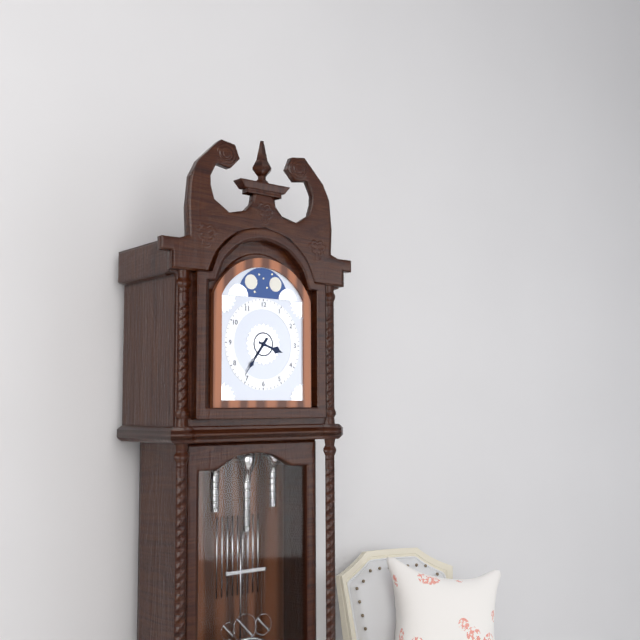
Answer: 3.36
